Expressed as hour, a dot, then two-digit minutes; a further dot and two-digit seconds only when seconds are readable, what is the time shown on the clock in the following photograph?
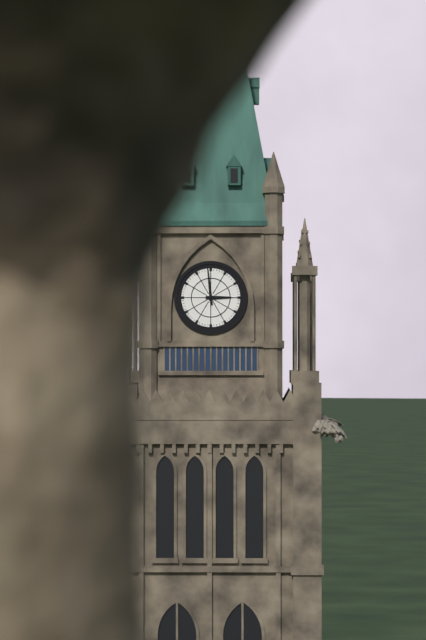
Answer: 2.59
